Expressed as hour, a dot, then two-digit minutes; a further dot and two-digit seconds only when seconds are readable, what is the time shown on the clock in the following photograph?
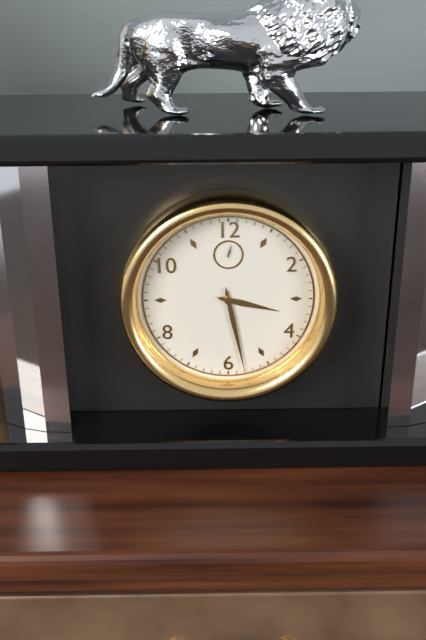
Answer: 3.28
